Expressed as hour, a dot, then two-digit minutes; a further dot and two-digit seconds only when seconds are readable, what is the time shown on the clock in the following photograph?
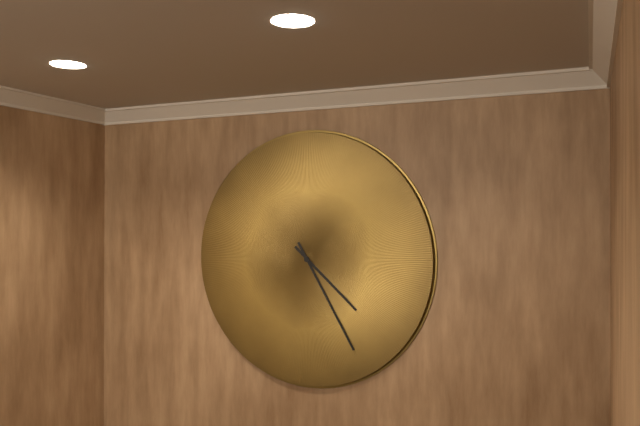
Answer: 4.25
